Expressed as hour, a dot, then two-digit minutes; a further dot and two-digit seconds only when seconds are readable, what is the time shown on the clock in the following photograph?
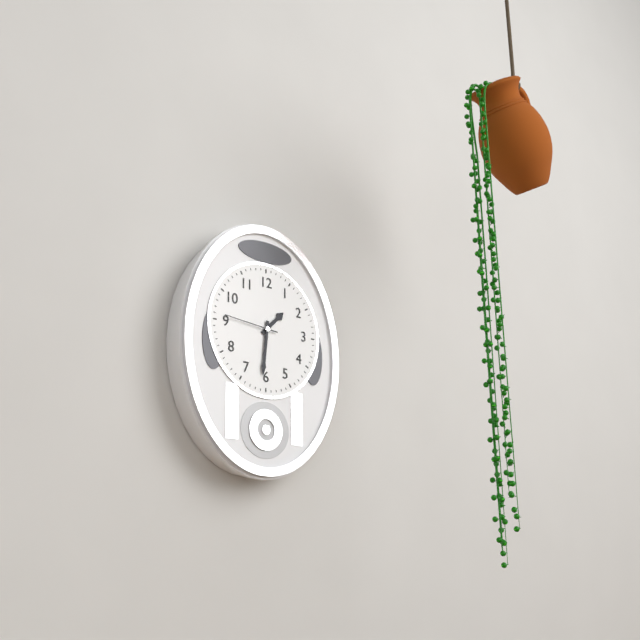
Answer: 1.31.46
